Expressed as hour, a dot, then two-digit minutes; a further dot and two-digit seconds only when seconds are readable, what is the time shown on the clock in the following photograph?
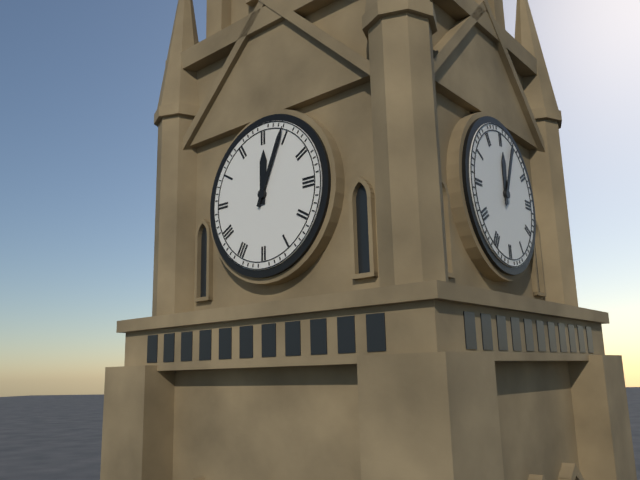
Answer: 12.04
